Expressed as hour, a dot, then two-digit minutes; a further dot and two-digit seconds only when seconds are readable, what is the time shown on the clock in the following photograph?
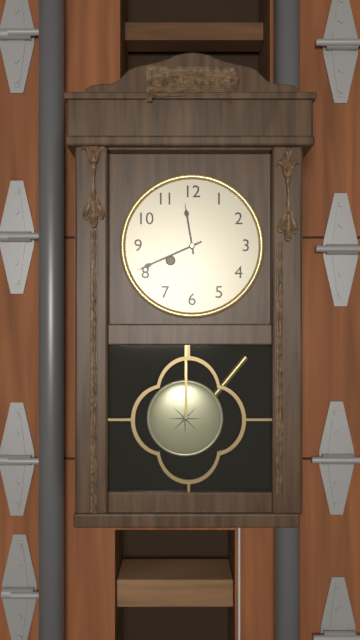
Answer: 11.41
